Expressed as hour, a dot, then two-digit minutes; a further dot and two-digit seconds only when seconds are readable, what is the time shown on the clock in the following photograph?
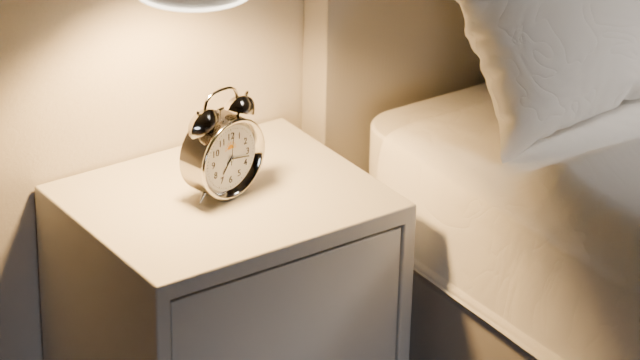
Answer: 7.17
